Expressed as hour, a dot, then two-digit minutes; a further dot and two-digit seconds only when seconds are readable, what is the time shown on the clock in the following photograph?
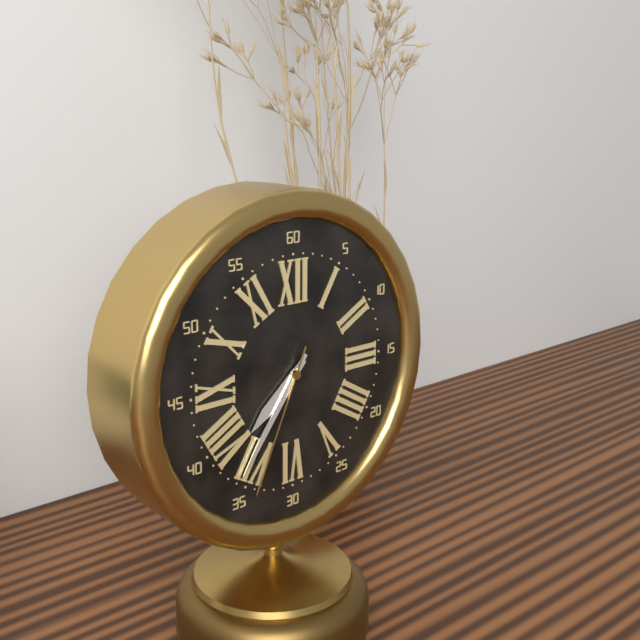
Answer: 7.36.34
